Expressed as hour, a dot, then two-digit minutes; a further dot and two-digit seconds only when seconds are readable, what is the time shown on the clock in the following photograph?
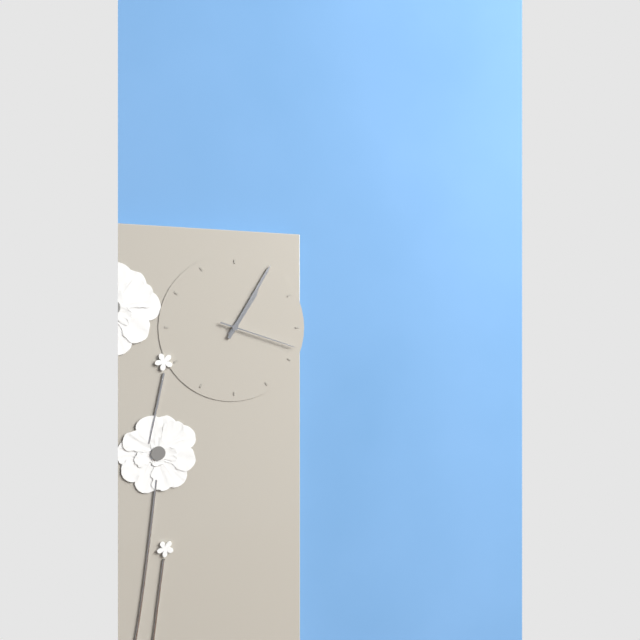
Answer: 1.05.18
